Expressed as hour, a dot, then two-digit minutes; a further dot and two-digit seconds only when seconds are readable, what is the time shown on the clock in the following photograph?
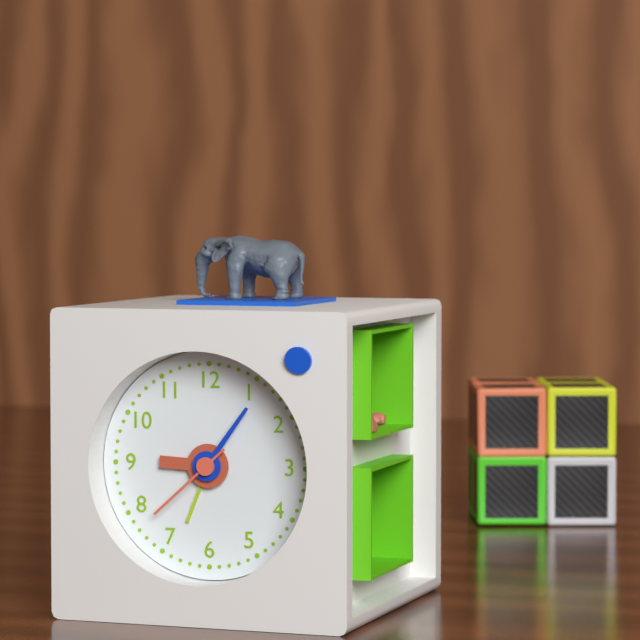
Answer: 9.06.38
